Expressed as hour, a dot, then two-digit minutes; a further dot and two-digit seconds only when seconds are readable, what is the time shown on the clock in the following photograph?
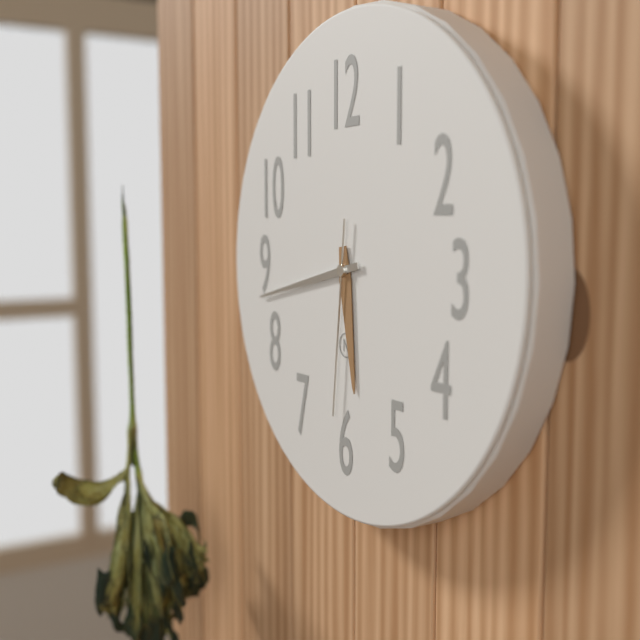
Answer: 5.43.31
